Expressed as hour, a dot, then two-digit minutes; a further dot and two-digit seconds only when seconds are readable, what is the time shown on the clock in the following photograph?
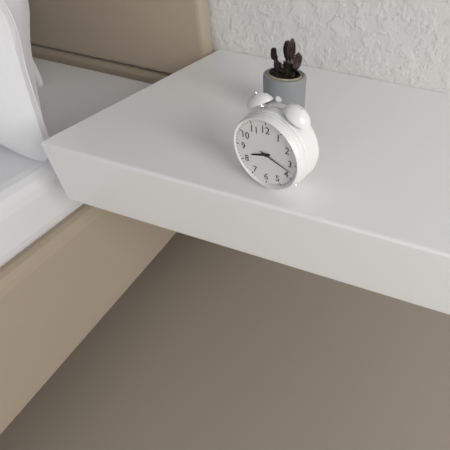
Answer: 8.18
